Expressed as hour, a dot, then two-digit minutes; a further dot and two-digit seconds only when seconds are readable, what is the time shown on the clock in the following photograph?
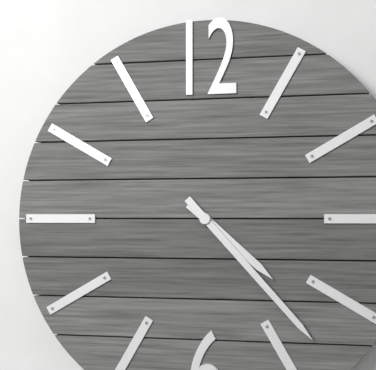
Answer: 4.23
